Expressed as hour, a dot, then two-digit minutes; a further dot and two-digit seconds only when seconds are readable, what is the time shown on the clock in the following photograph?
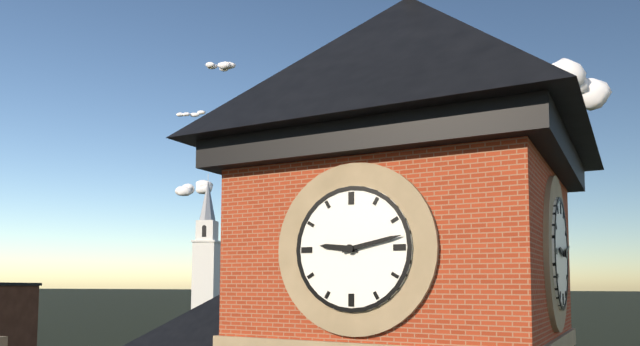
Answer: 9.13
